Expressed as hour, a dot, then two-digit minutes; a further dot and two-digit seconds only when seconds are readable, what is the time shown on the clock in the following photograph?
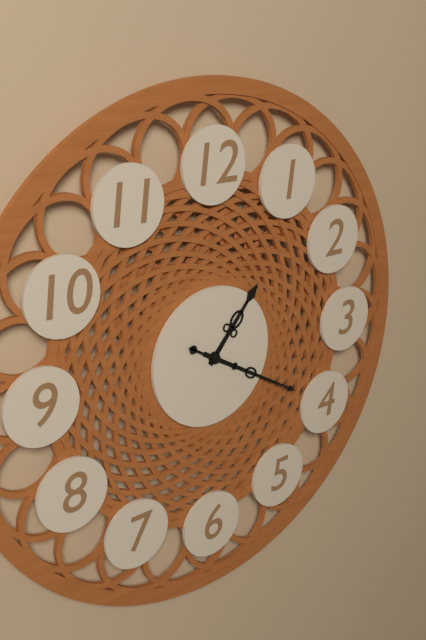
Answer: 1.20.20
